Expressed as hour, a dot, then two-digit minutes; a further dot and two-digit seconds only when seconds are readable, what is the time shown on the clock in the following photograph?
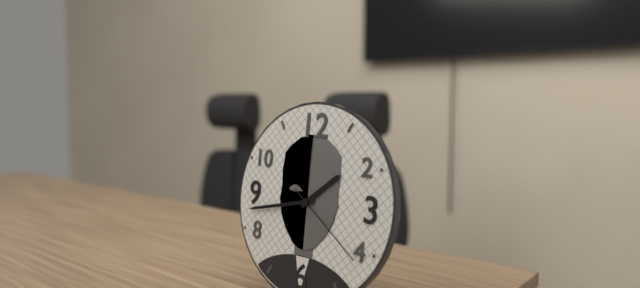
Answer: 1.43.21
